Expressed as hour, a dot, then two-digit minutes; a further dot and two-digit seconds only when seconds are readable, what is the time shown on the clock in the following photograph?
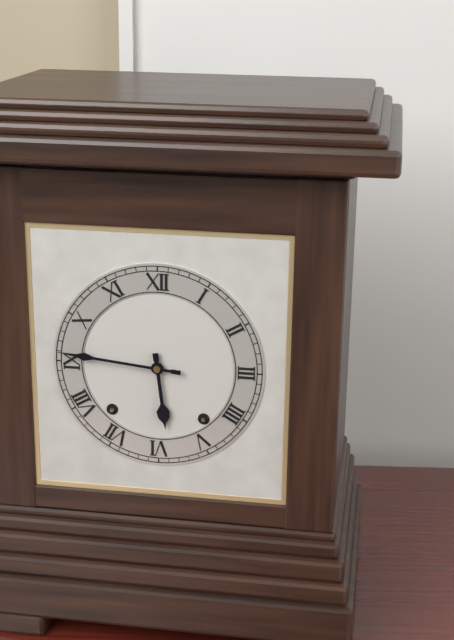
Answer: 5.46
